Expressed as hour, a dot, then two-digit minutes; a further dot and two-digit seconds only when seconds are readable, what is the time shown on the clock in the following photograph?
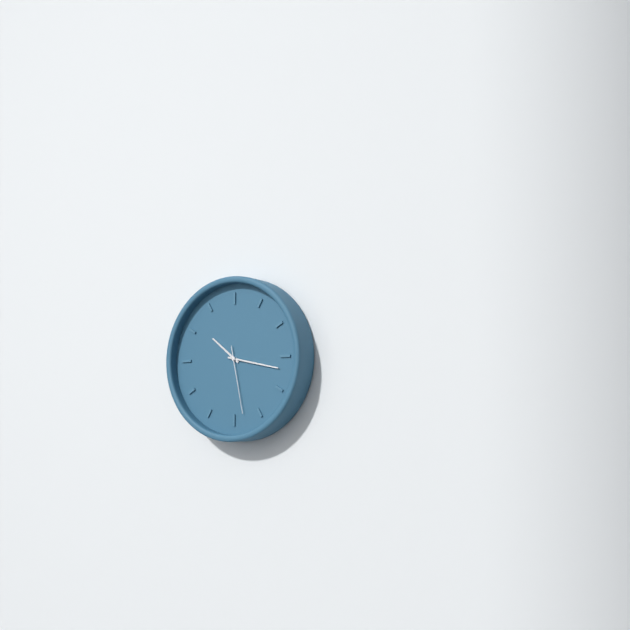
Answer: 10.17.28
